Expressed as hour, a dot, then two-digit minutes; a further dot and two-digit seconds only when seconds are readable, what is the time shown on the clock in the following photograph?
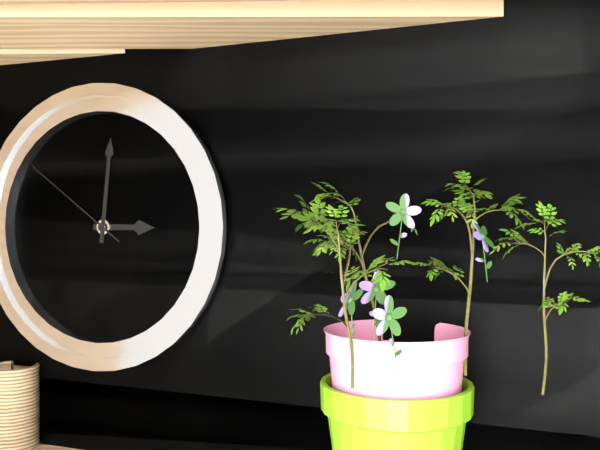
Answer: 3.01.51
